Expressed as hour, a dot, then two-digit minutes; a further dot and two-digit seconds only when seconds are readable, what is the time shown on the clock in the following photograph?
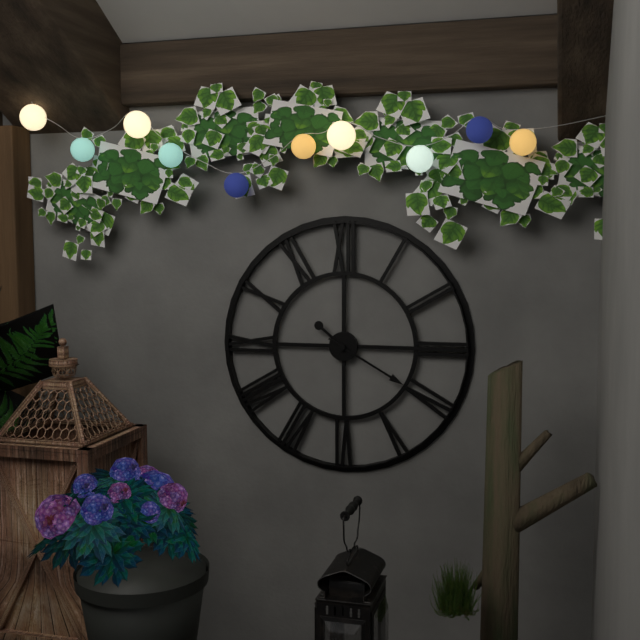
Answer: 10.20
